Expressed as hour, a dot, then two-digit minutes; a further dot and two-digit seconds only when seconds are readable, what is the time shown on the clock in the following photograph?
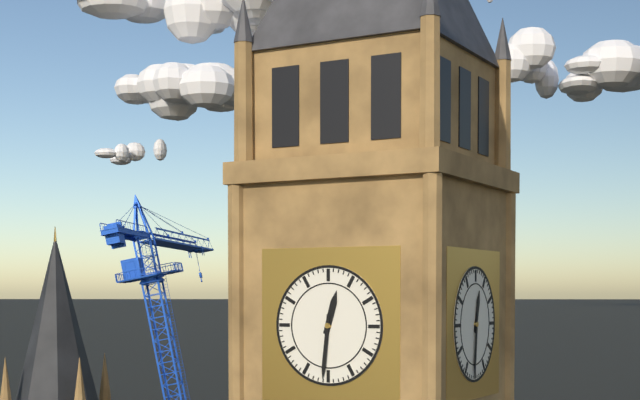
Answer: 12.31
